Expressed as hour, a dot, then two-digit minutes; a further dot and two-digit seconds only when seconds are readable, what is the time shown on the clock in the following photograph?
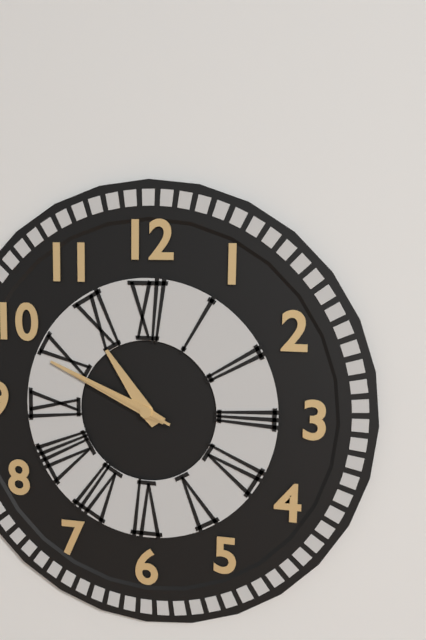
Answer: 10.49.49
